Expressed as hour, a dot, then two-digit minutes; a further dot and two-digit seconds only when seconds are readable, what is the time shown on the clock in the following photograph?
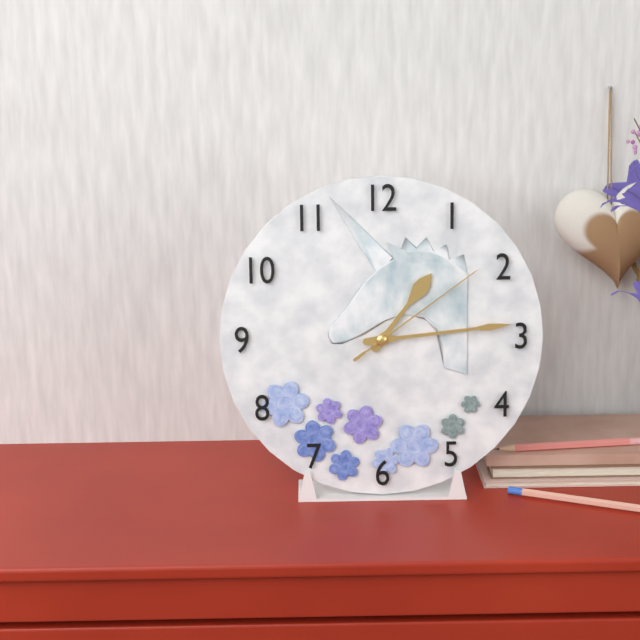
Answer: 1.14.09
